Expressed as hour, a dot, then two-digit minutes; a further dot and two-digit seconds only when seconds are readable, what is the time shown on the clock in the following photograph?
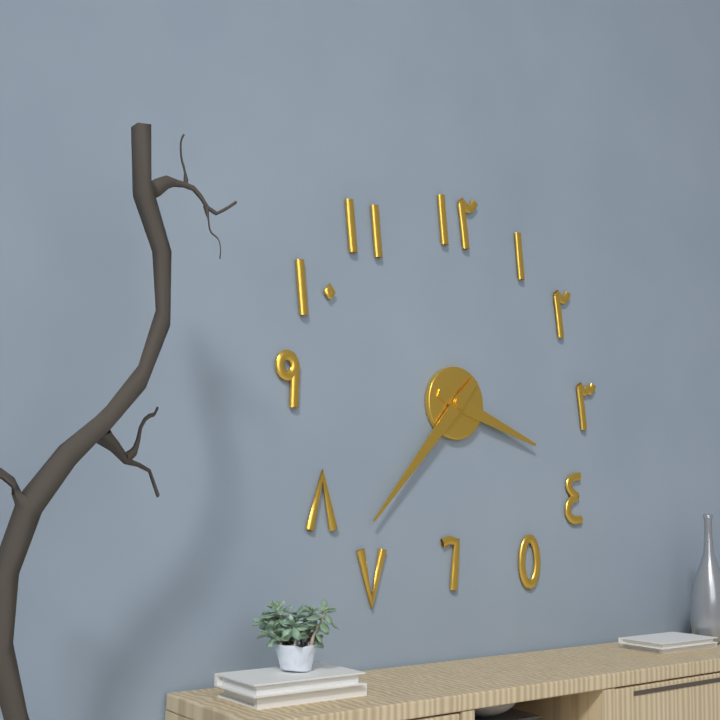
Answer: 3.37
